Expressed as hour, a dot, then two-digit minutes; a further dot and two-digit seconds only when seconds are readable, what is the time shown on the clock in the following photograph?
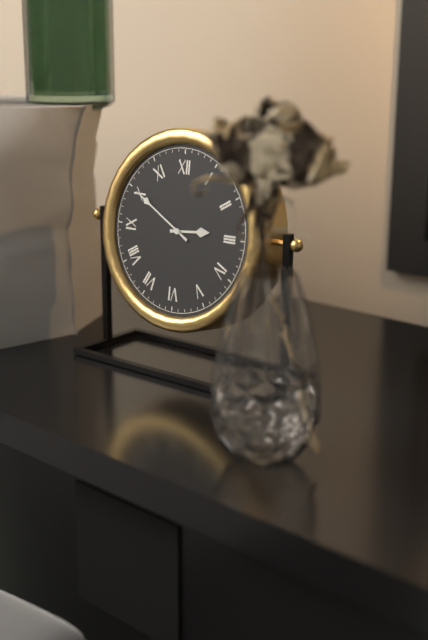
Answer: 2.50
